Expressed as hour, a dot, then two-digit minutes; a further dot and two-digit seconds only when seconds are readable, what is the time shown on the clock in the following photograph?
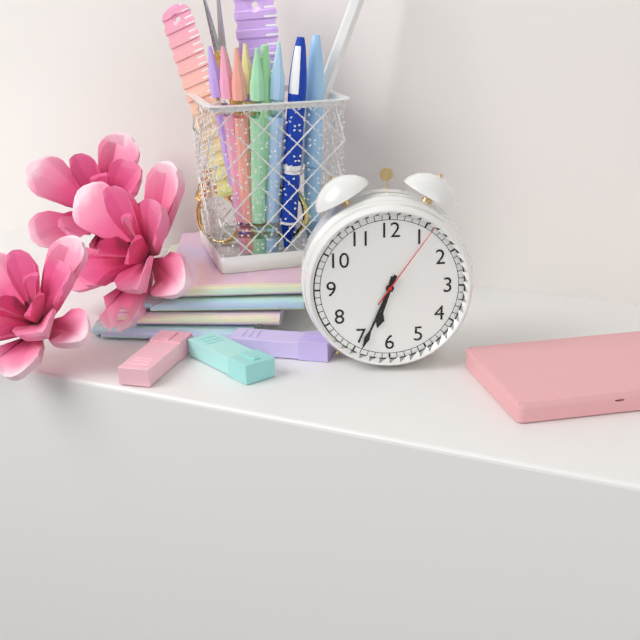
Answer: 6.34.06
